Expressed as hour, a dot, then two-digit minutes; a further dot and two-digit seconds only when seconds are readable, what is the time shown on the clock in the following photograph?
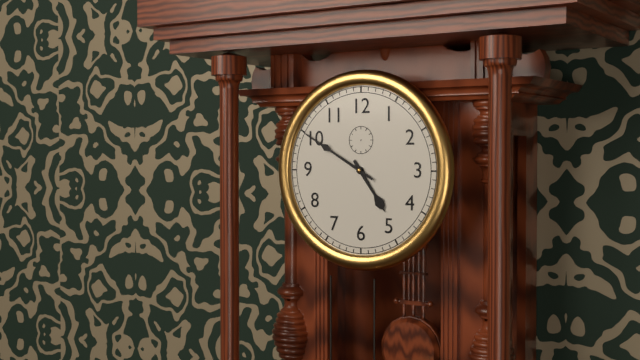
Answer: 4.50
